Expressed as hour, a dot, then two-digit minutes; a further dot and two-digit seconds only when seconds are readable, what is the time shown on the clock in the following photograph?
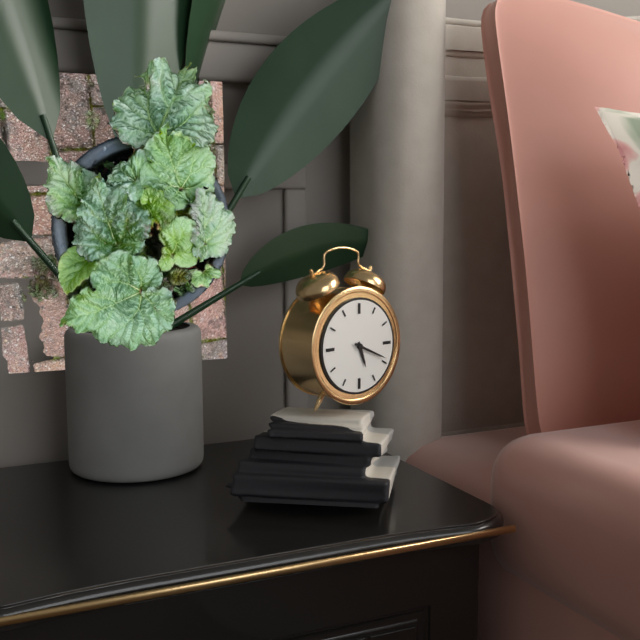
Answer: 5.19
